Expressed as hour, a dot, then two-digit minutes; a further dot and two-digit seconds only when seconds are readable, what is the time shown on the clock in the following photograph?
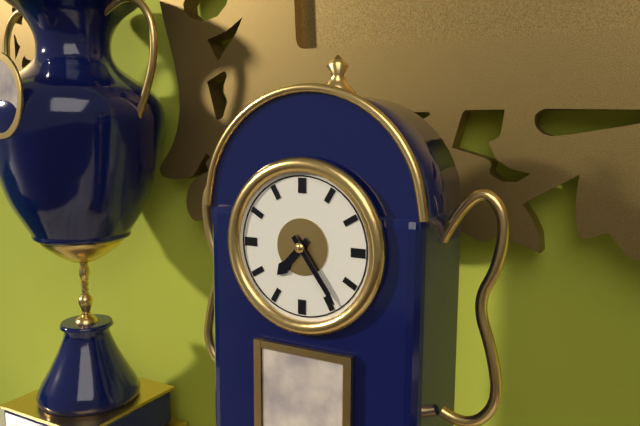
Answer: 7.24
